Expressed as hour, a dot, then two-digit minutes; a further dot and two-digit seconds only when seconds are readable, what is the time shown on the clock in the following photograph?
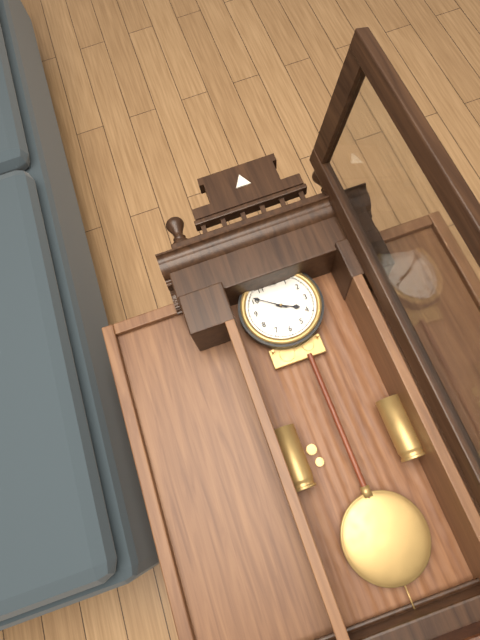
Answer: 3.51
